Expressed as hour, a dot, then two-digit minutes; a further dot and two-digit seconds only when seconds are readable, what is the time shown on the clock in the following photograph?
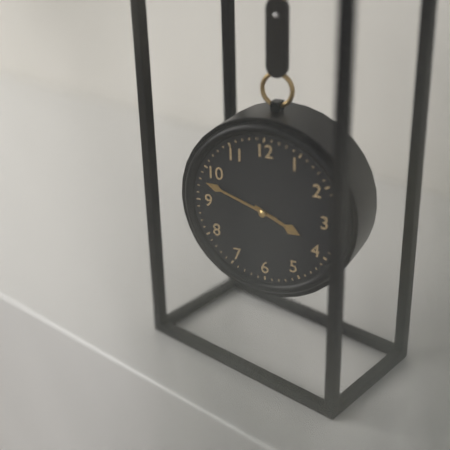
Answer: 3.48
